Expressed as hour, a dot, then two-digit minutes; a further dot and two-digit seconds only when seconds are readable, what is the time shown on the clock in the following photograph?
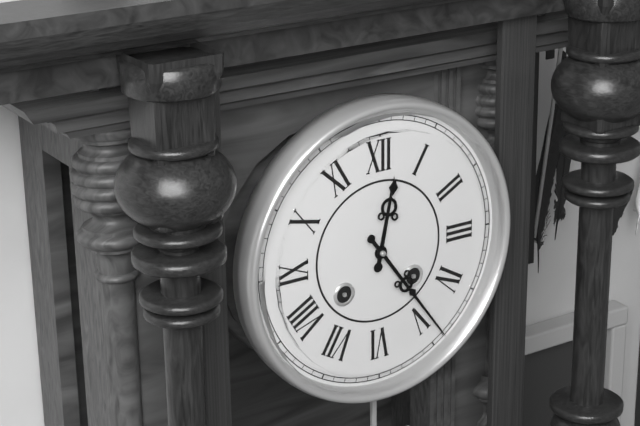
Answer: 12.24
